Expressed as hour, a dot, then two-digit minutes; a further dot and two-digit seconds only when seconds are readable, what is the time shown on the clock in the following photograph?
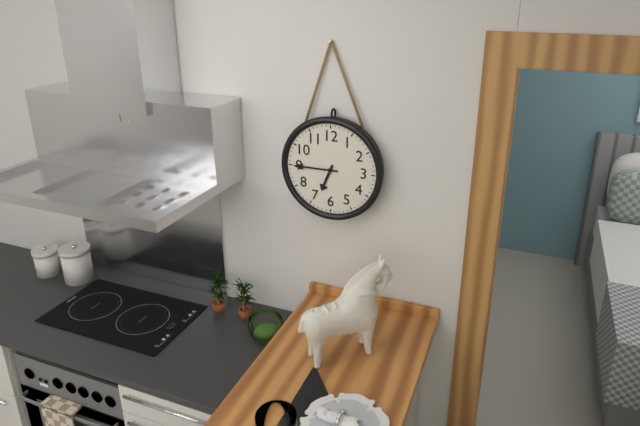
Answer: 6.45
